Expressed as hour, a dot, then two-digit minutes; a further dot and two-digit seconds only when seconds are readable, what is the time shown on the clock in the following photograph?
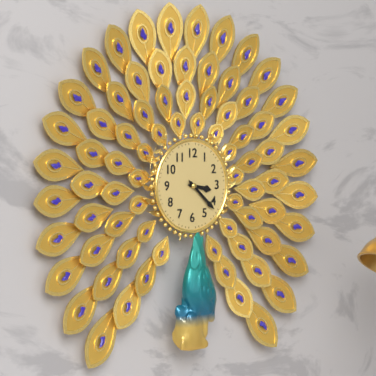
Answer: 3.22
